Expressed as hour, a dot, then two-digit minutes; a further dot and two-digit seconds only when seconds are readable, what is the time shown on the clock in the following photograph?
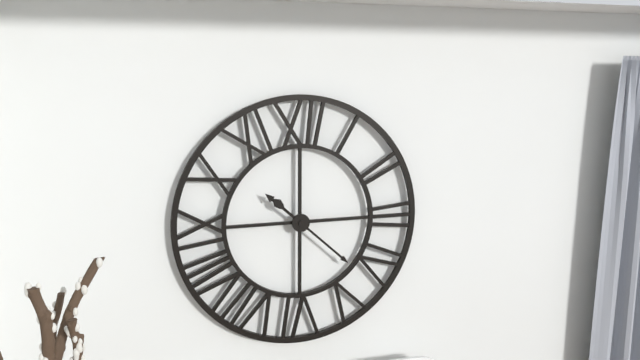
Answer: 10.22
